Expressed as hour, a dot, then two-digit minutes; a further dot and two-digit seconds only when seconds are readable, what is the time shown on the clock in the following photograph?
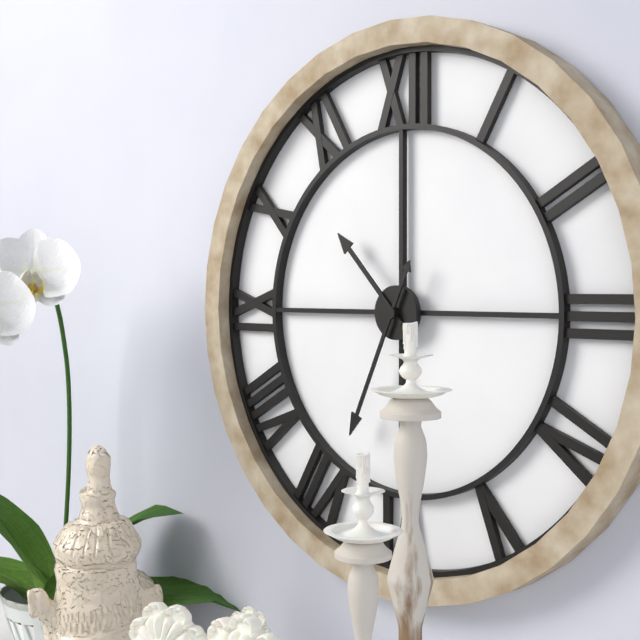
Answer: 10.34
